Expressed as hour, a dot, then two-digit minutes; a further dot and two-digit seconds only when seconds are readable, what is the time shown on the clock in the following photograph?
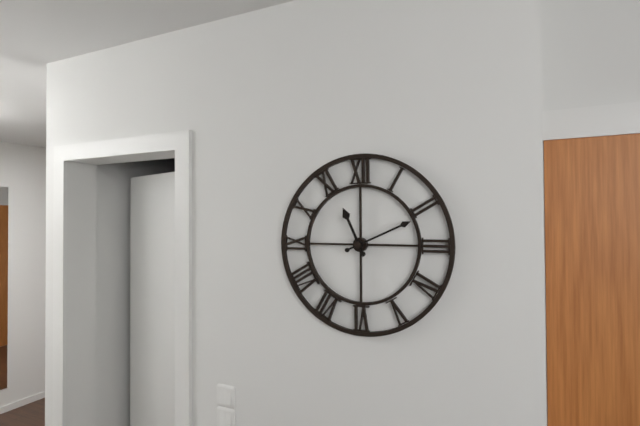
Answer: 11.11
